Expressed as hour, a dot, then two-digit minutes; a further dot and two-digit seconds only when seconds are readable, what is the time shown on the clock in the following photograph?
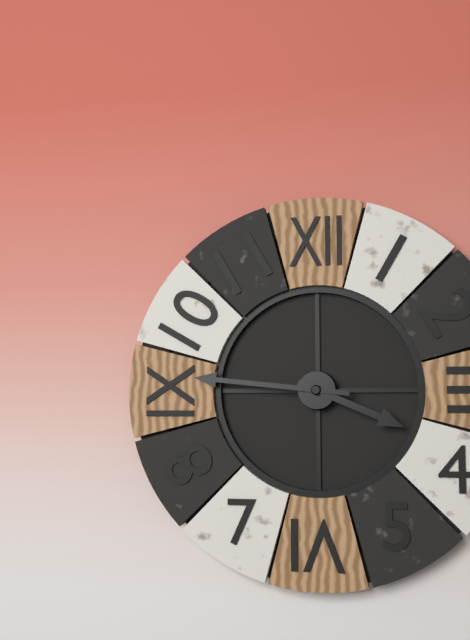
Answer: 3.46
